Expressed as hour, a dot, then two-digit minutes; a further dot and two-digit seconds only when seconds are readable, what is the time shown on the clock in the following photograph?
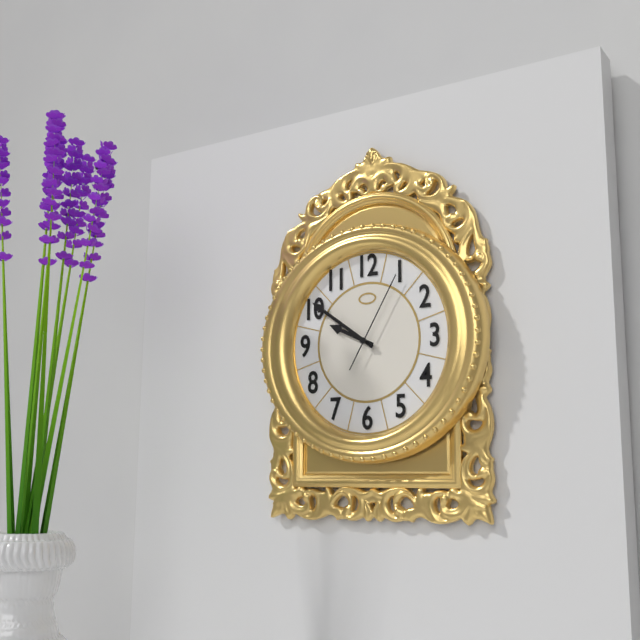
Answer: 9.51.05
